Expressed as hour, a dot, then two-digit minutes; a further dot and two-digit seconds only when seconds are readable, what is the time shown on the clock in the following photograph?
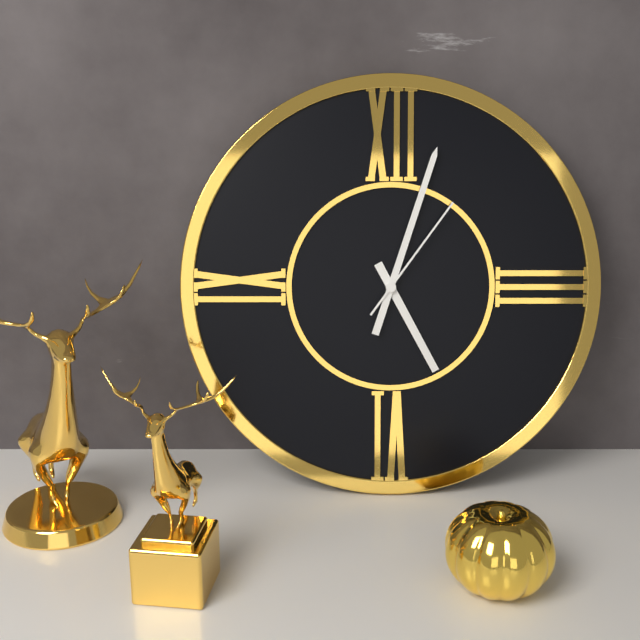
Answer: 5.03.06
